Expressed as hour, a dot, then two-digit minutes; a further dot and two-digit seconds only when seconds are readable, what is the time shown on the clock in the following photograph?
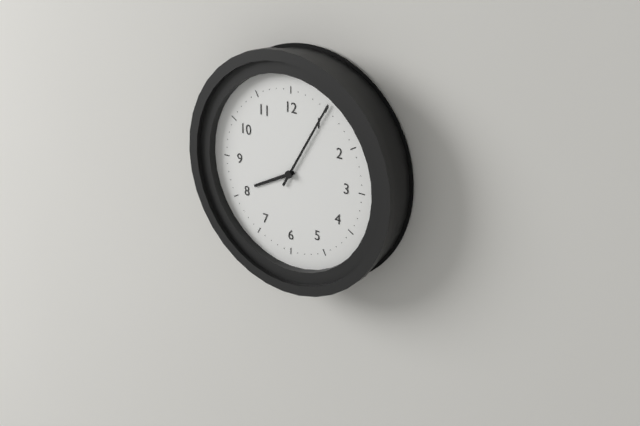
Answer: 8.05
